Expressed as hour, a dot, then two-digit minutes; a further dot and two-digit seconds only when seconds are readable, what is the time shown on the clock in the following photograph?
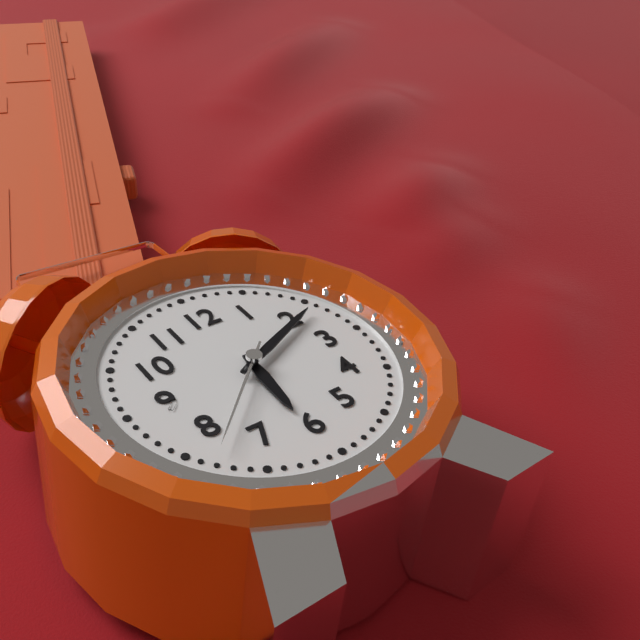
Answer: 6.11.38
